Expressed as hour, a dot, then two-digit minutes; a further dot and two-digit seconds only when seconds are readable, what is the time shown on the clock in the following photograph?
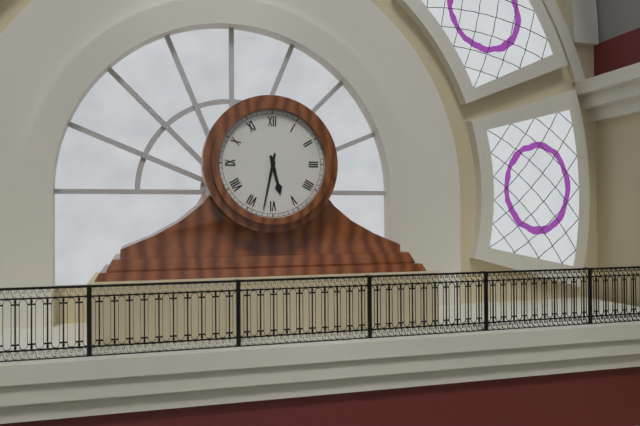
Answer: 5.32
